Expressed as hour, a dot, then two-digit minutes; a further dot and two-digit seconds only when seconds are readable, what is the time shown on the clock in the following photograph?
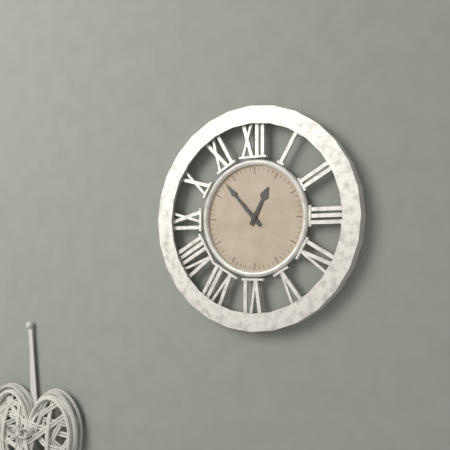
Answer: 12.53
